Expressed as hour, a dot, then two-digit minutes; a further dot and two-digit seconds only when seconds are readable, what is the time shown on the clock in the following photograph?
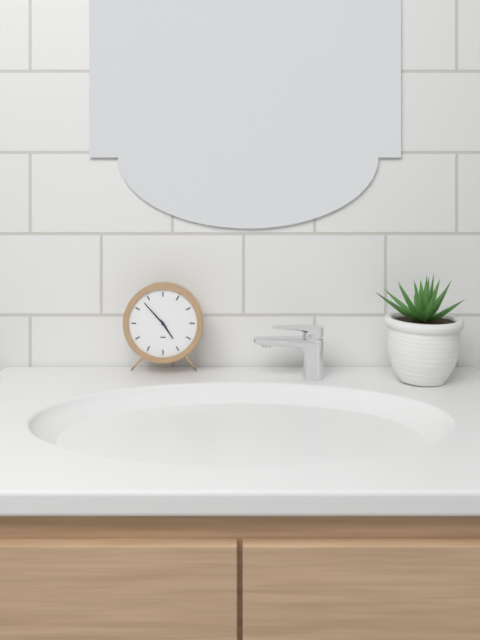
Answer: 4.53
